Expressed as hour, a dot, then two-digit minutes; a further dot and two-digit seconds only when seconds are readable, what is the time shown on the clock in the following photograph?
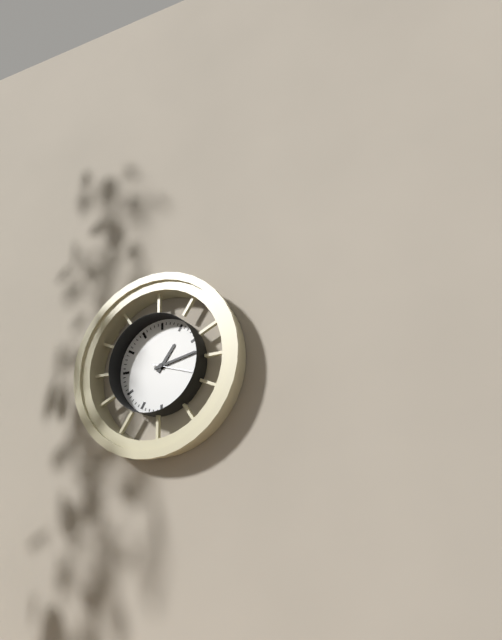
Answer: 1.13
